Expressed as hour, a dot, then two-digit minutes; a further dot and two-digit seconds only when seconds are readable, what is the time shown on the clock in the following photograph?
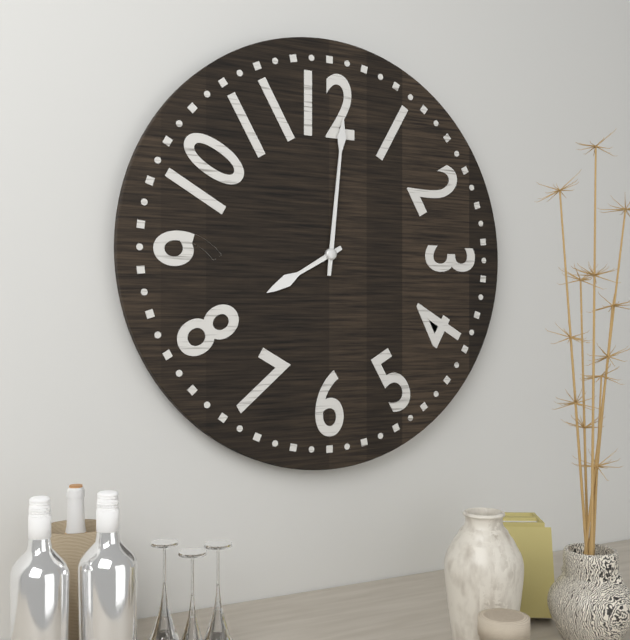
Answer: 8.01
